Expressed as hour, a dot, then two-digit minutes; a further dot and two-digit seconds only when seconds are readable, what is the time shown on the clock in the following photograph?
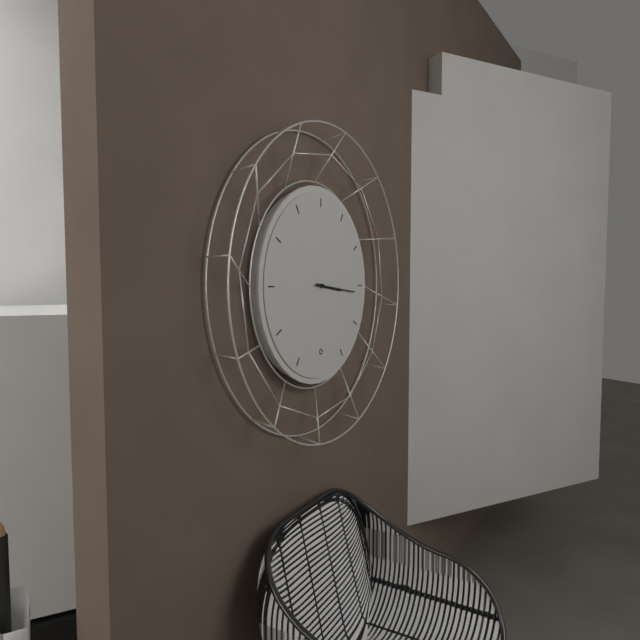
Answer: 3.16
